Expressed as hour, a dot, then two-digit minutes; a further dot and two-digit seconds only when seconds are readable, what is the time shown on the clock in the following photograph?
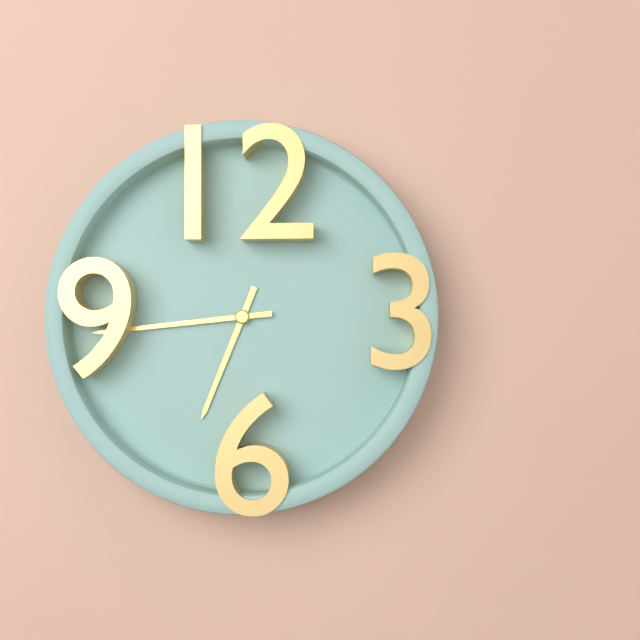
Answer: 6.44
